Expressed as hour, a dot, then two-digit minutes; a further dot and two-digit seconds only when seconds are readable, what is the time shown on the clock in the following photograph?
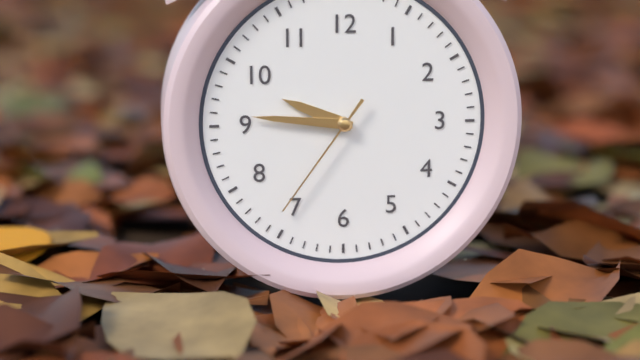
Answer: 9.46.36
